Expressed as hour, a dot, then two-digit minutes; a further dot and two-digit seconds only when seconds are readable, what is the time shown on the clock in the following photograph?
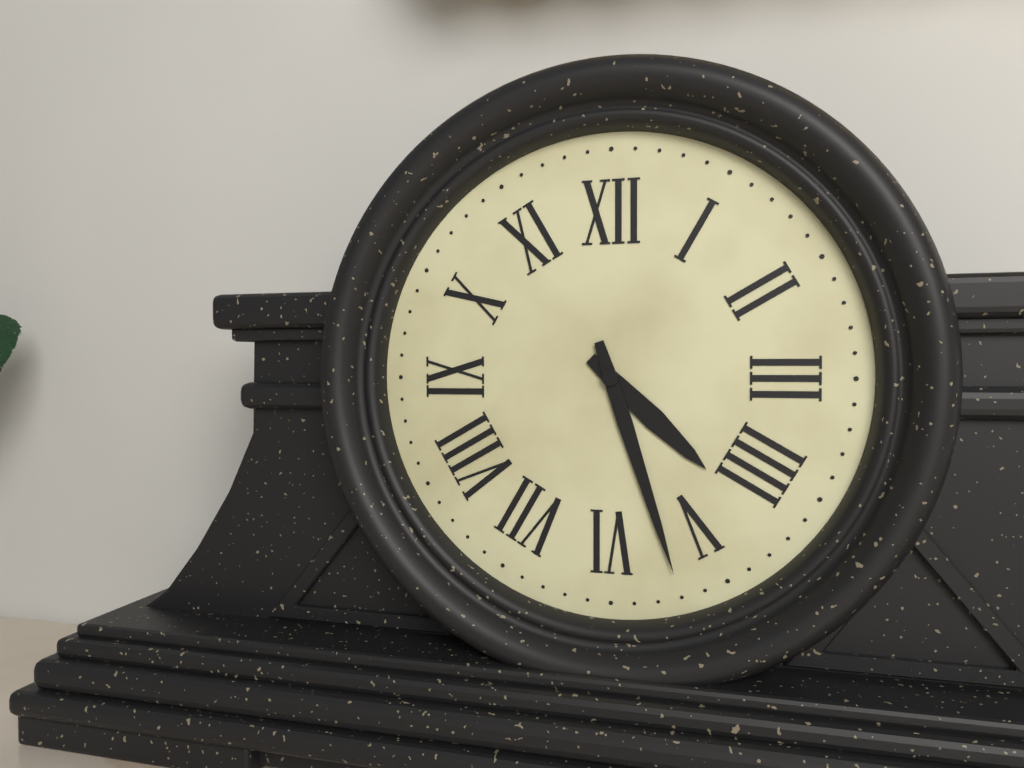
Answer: 4.27
